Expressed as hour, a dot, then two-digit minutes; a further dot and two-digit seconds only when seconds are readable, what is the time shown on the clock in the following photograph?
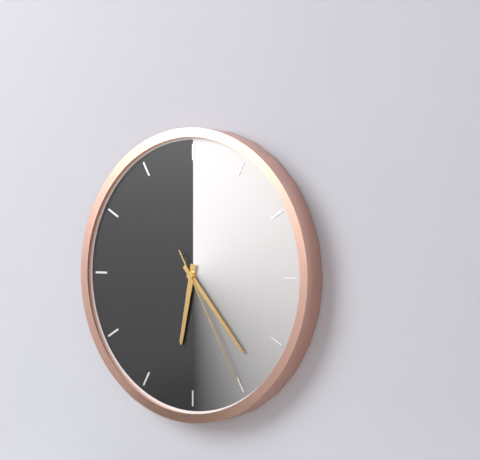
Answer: 6.23.25
